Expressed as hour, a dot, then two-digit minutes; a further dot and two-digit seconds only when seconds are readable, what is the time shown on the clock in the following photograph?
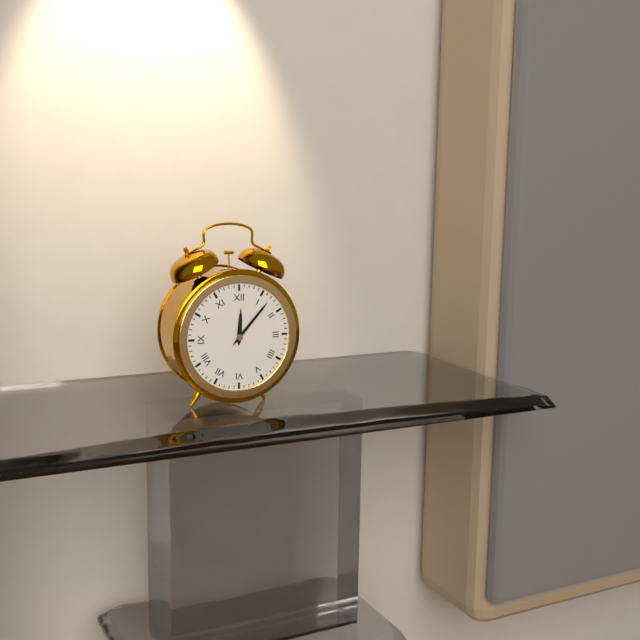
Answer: 12.07
